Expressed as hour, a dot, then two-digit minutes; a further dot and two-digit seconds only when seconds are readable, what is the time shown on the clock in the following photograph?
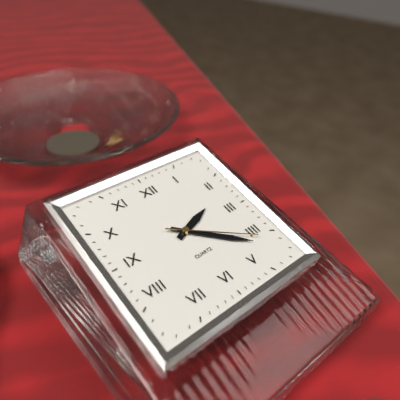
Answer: 2.22.21
